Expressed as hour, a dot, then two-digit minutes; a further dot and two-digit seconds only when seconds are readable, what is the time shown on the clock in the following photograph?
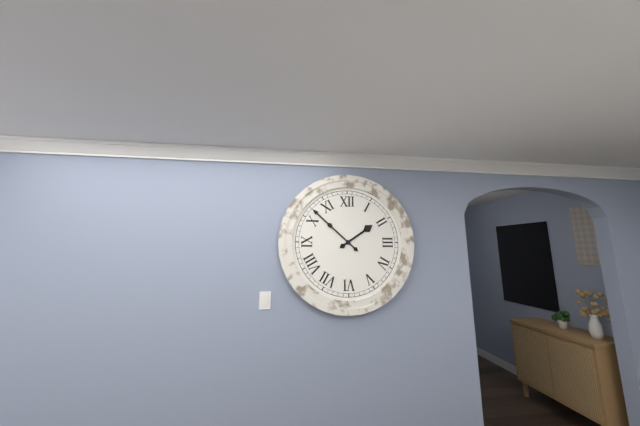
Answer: 1.52
